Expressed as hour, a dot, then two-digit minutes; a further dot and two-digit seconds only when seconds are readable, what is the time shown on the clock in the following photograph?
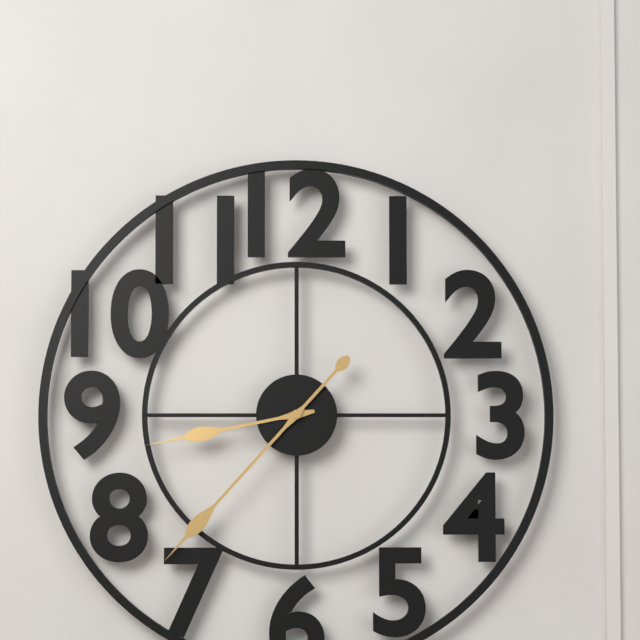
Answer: 8.37
